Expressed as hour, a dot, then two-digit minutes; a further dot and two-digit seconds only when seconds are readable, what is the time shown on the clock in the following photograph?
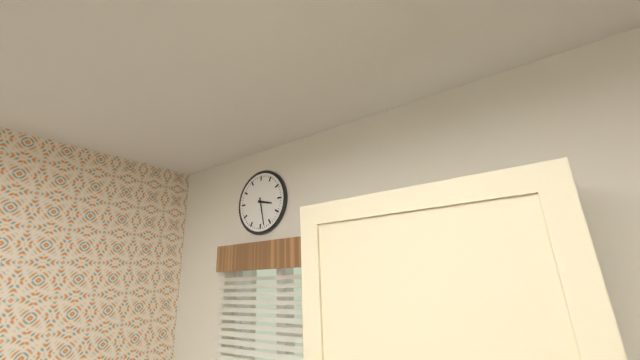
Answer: 3.28
